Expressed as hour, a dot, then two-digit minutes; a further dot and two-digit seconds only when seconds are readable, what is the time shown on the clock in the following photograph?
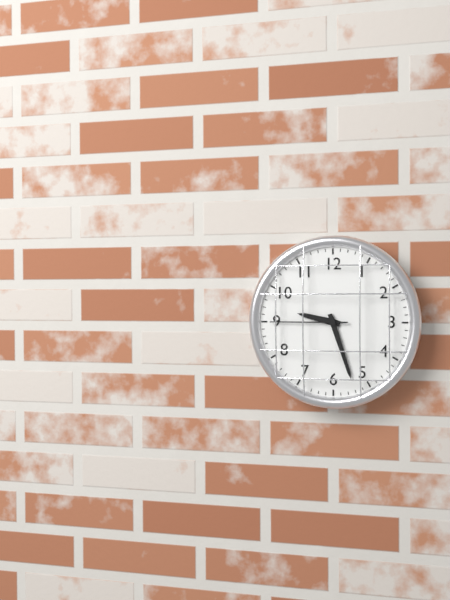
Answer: 9.27.45
